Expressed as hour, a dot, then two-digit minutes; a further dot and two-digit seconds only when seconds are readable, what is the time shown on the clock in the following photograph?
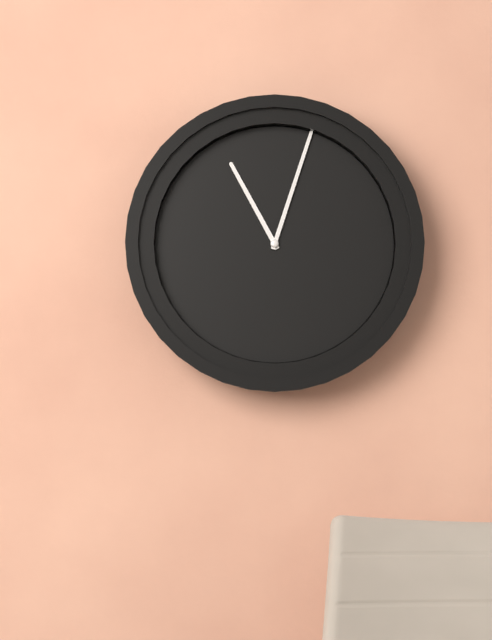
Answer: 11.03
